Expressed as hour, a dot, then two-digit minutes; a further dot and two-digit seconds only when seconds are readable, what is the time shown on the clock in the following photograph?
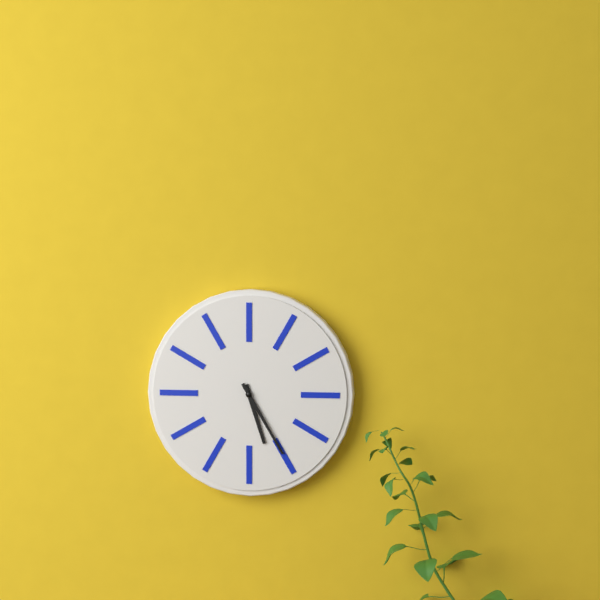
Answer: 5.25
